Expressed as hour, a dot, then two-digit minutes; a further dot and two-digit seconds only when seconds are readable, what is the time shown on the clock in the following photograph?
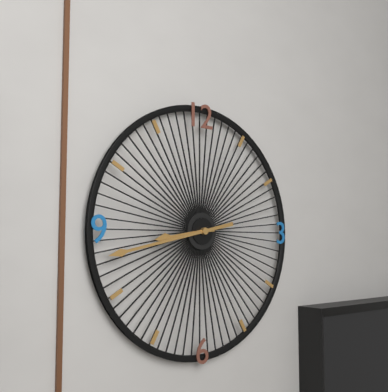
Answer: 8.43
